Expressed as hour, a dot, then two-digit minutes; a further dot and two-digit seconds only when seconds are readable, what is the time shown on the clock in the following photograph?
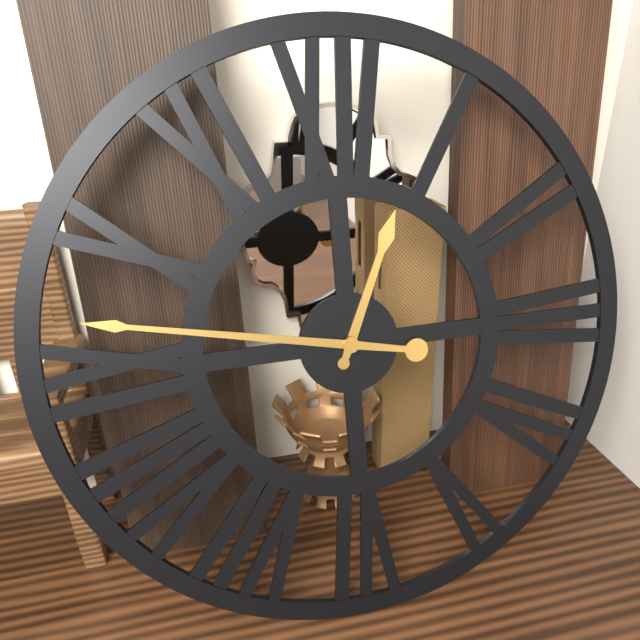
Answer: 12.47
